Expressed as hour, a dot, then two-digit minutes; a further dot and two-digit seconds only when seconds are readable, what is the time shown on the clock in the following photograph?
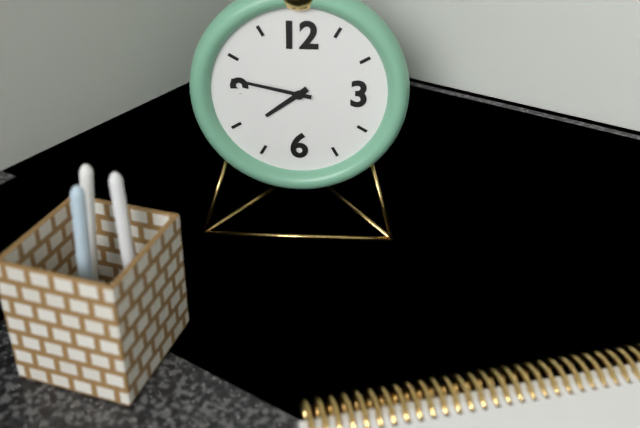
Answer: 7.47
